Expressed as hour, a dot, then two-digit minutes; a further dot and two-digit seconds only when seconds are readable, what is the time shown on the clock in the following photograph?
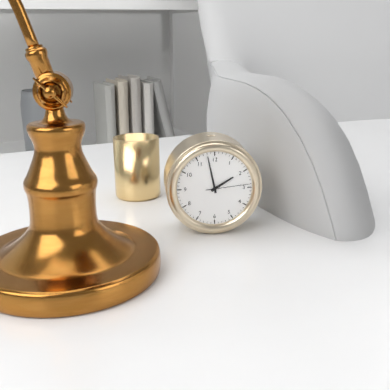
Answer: 1.58
